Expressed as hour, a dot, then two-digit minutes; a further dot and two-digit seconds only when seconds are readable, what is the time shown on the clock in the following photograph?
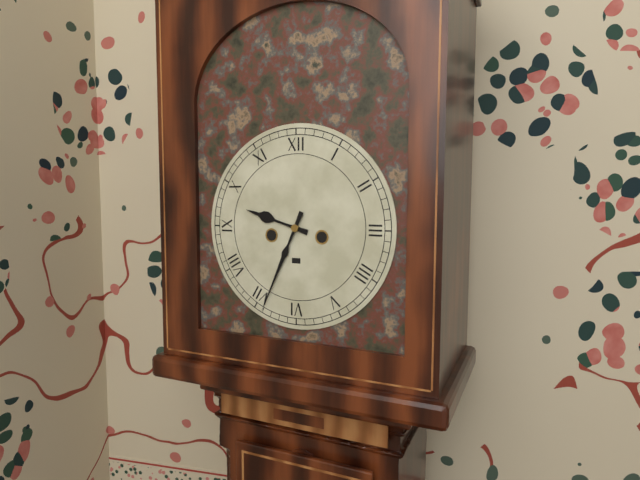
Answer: 9.34
